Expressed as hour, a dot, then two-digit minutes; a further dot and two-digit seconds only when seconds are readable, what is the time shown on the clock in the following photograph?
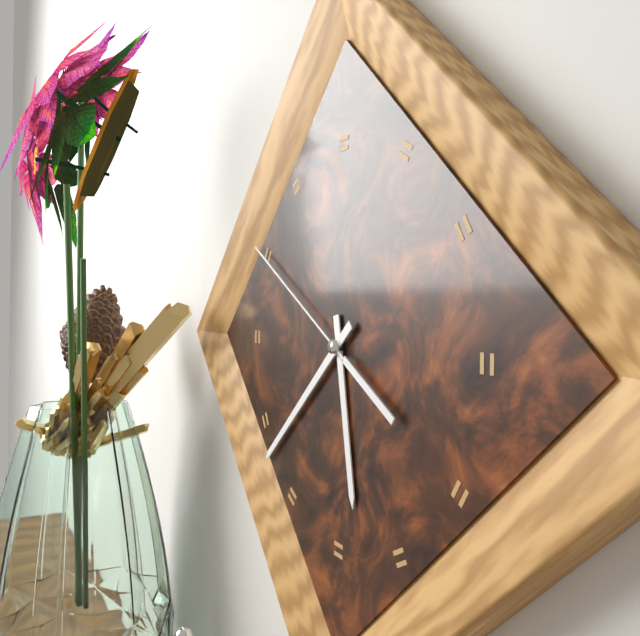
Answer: 5.38.50
